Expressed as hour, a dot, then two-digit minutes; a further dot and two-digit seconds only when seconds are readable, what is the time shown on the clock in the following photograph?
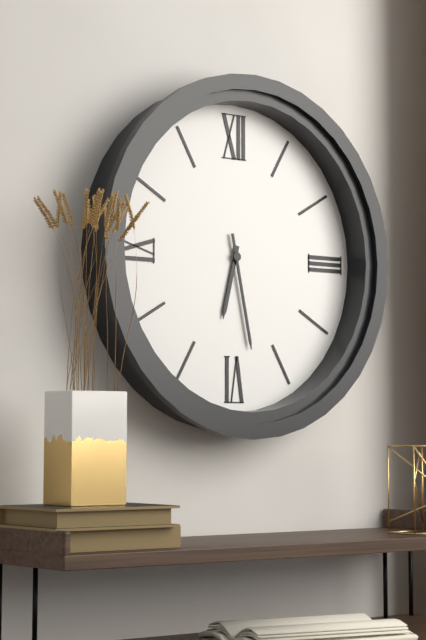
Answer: 6.28
